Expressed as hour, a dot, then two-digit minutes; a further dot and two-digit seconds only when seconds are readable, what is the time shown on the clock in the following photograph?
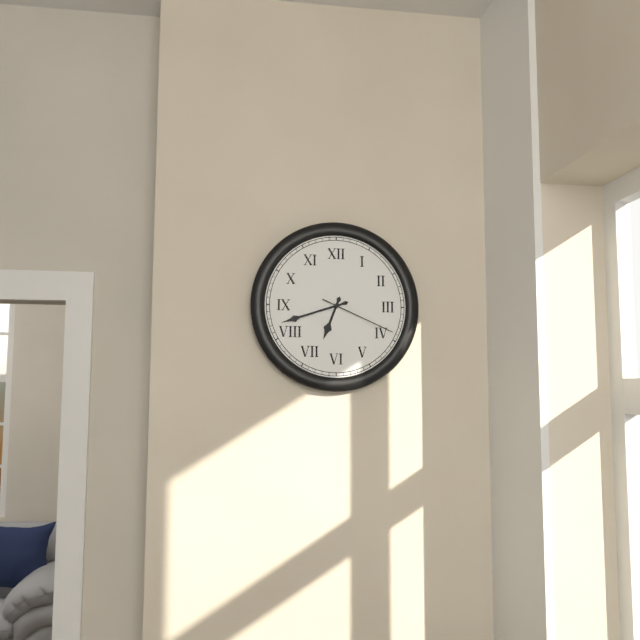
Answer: 6.42.19
